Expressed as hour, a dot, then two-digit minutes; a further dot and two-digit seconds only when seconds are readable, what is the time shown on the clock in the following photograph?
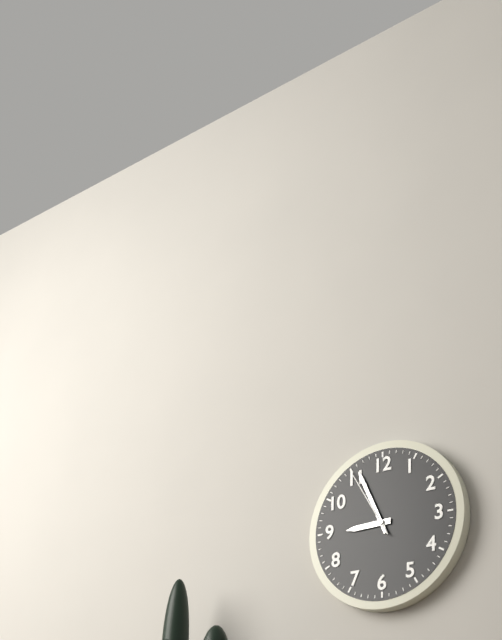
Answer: 8.56.55
